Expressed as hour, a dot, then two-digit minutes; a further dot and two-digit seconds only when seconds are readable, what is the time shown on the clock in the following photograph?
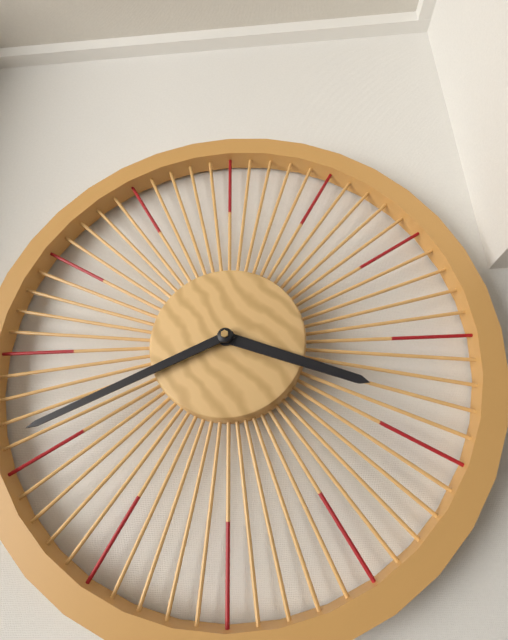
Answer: 3.41
